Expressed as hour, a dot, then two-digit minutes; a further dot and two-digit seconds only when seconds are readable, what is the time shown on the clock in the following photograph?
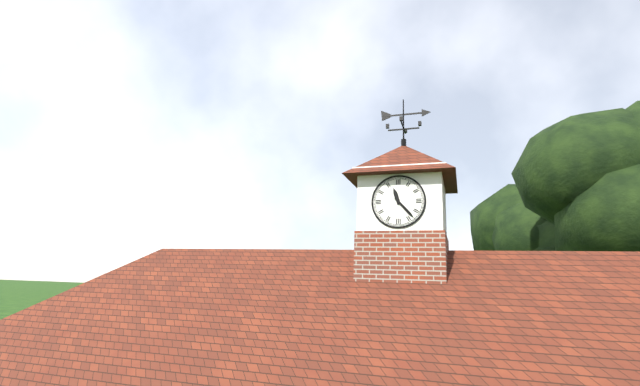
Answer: 11.23
